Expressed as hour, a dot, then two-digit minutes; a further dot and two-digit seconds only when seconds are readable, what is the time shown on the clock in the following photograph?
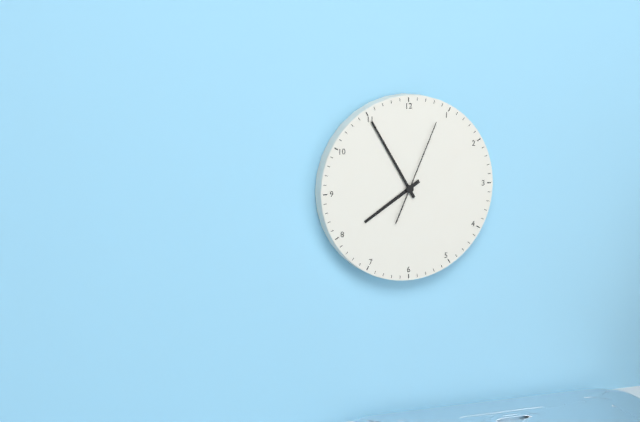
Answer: 7.55.04
